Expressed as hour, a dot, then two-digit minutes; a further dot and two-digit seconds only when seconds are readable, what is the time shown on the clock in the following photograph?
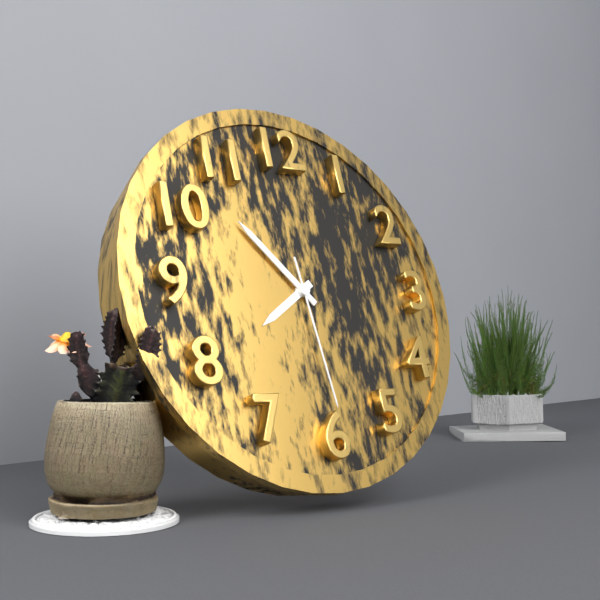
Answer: 7.53.29
